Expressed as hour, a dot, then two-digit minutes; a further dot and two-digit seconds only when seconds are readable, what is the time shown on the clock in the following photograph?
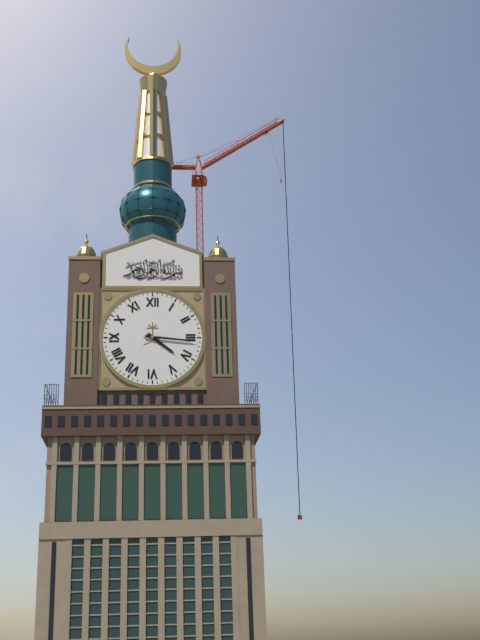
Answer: 4.16
